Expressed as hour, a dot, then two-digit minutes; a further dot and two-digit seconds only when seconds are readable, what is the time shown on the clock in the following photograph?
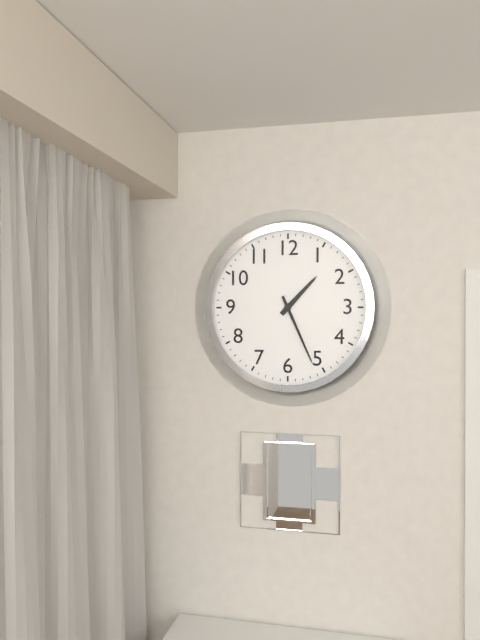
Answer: 1.26
